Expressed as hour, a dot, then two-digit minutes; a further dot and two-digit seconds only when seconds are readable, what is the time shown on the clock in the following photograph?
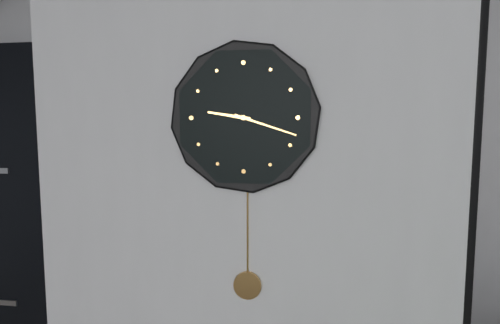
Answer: 9.18
